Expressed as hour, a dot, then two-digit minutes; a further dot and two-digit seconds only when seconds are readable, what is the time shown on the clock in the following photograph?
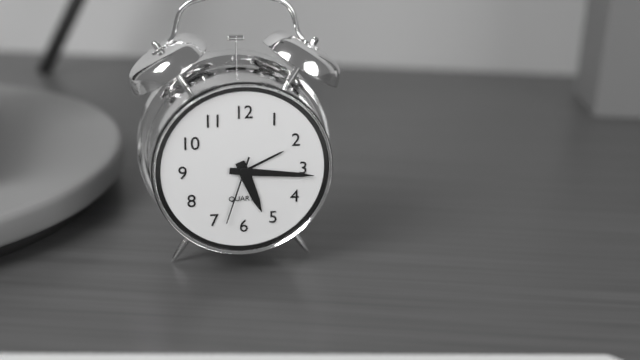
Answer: 5.16.33
